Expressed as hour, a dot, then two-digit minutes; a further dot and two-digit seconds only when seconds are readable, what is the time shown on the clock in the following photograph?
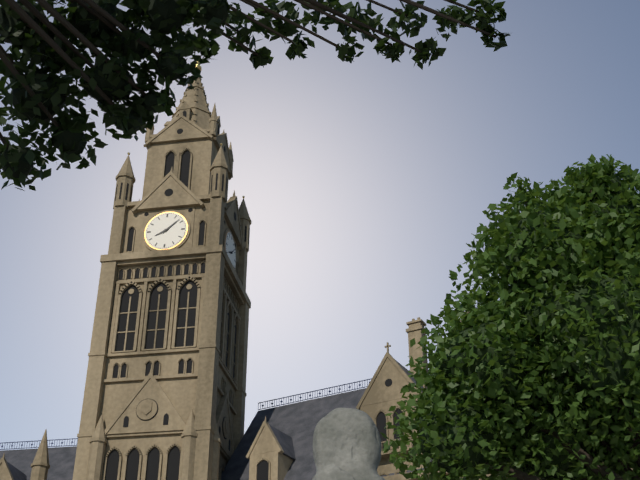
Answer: 8.08
